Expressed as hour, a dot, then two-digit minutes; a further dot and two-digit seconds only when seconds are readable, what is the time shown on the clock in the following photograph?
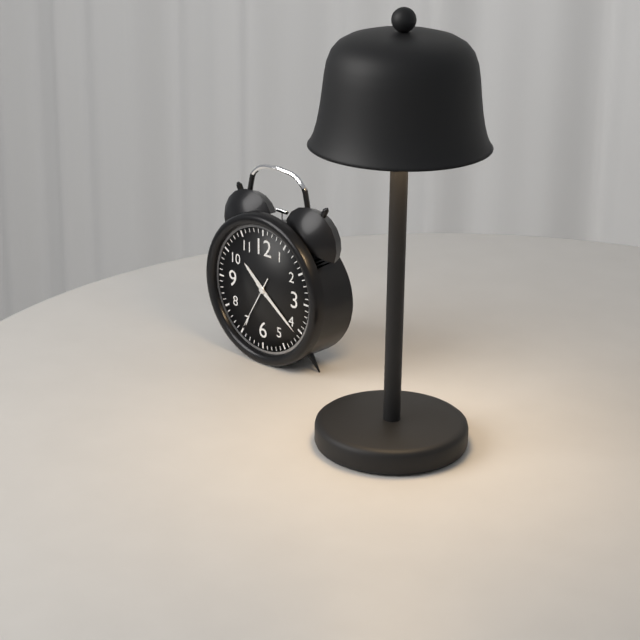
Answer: 10.21.35
